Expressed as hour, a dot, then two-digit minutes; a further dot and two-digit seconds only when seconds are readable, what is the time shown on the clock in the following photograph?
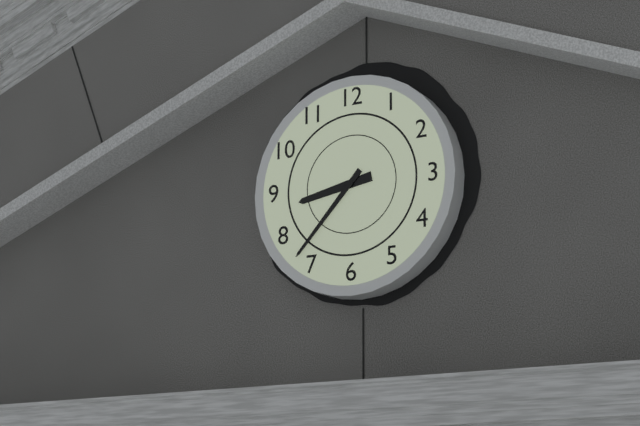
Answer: 8.37
